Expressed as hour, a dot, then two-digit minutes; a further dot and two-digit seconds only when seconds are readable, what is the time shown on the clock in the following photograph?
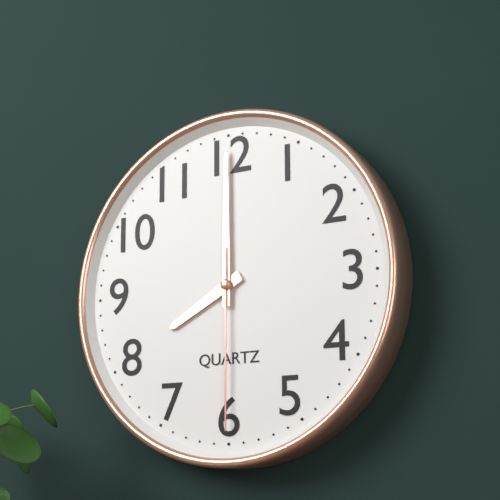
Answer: 8.00.30
